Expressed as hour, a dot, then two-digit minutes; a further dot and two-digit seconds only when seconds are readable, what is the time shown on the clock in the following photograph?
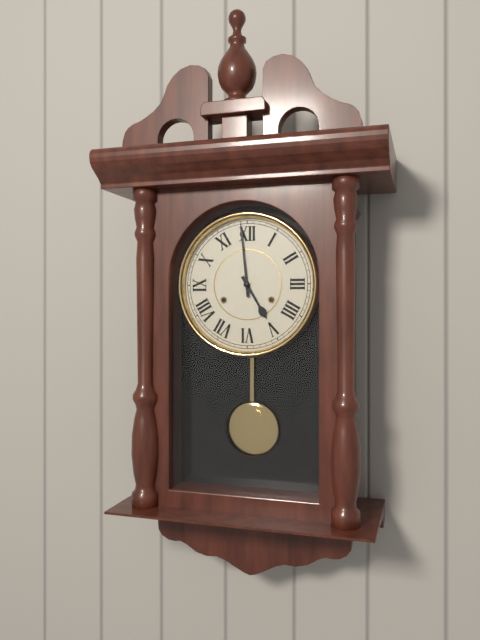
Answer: 4.59
